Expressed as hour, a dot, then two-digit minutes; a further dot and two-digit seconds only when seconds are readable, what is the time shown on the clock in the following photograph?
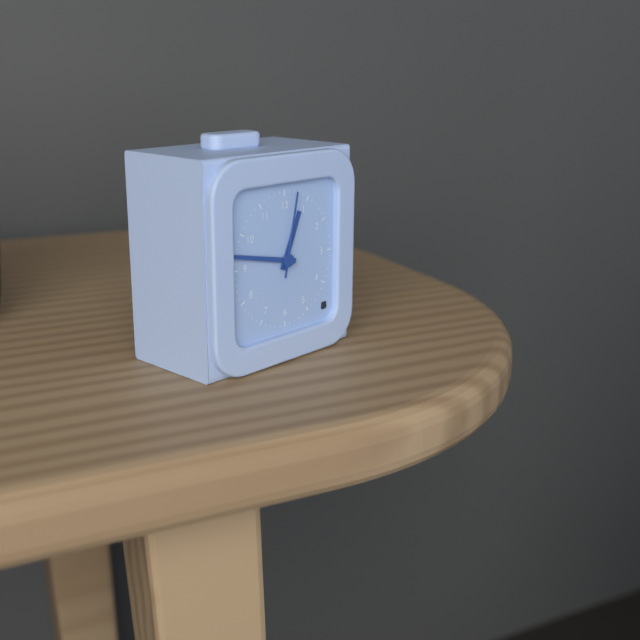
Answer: 12.47.02
